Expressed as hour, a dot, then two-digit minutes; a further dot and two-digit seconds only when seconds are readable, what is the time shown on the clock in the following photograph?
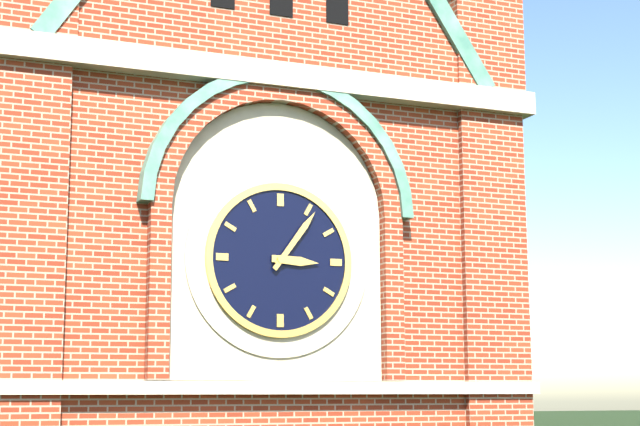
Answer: 3.06
